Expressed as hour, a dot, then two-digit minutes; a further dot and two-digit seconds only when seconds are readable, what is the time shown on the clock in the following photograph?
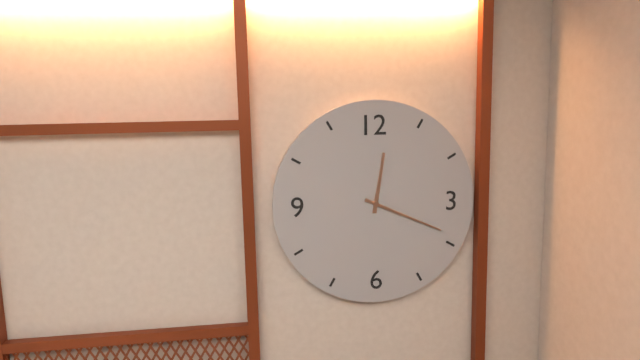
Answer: 12.19
